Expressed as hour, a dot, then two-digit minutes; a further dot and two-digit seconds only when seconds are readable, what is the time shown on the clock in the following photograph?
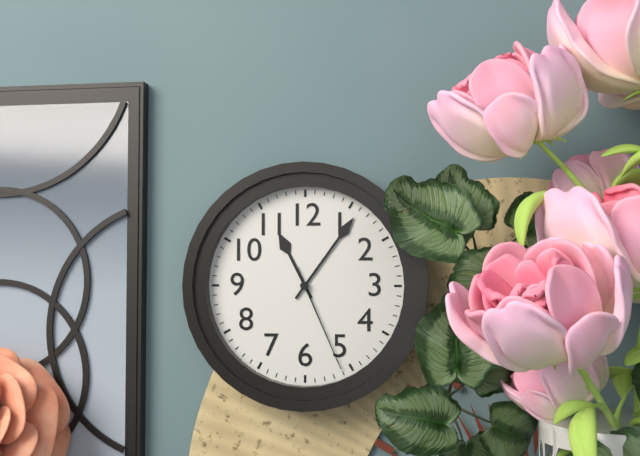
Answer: 11.06.26
